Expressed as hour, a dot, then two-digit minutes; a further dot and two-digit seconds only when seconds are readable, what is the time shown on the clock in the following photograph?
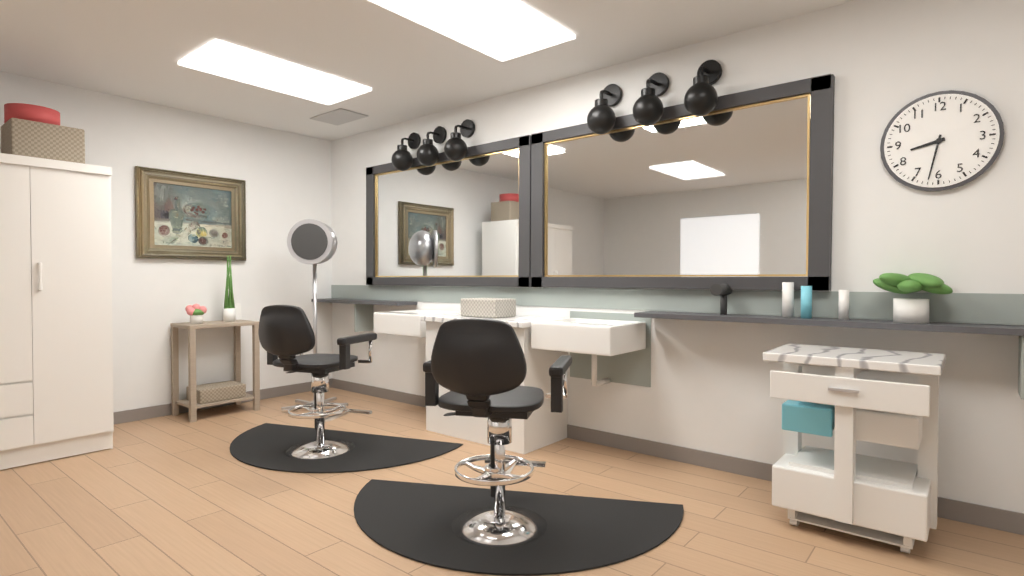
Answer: 8.32
